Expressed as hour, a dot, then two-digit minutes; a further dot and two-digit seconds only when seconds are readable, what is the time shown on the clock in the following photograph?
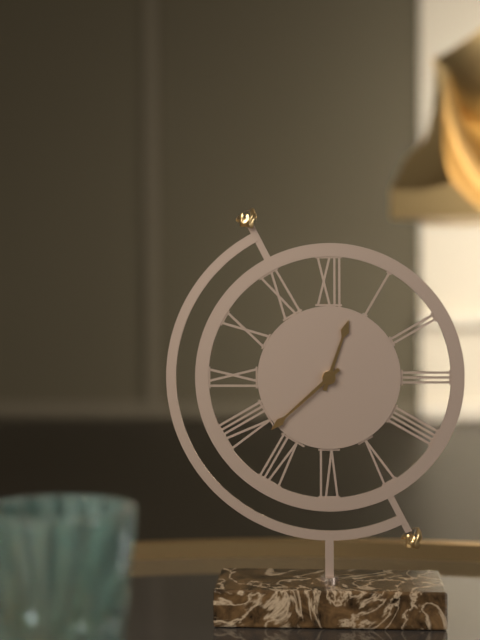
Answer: 12.38
